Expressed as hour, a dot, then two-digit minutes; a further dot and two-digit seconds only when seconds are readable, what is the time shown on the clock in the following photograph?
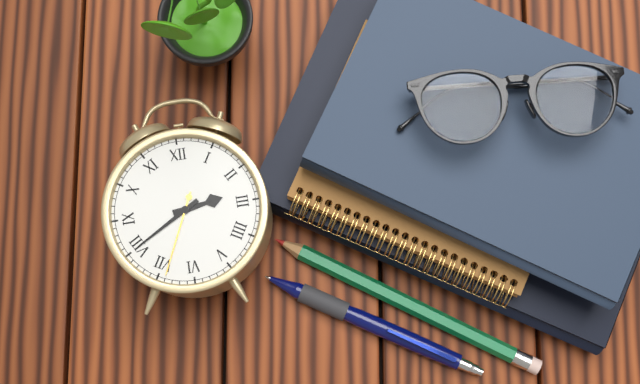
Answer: 2.40.34
